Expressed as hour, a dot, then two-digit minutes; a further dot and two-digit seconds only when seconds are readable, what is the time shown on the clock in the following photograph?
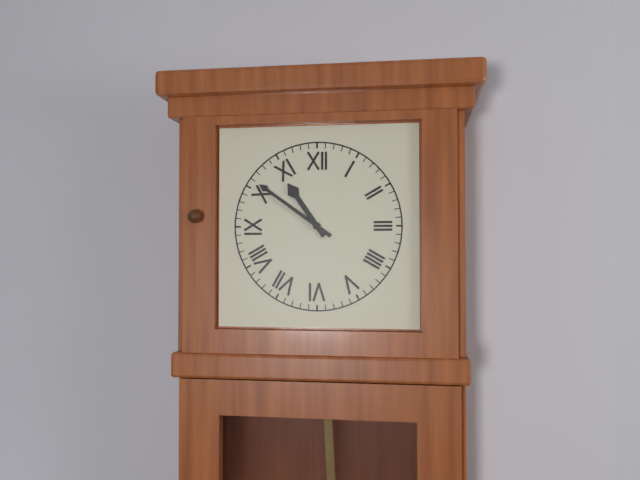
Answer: 10.51
